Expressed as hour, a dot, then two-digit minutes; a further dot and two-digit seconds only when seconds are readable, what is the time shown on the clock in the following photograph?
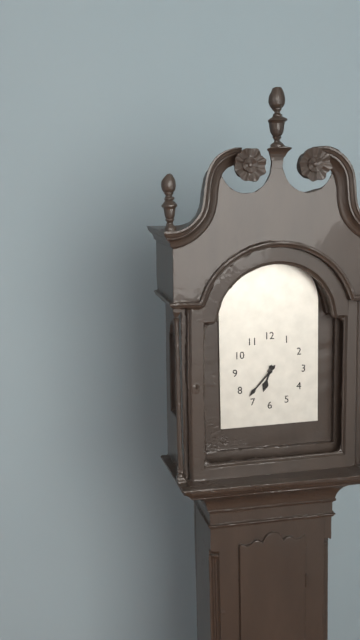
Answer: 6.37
